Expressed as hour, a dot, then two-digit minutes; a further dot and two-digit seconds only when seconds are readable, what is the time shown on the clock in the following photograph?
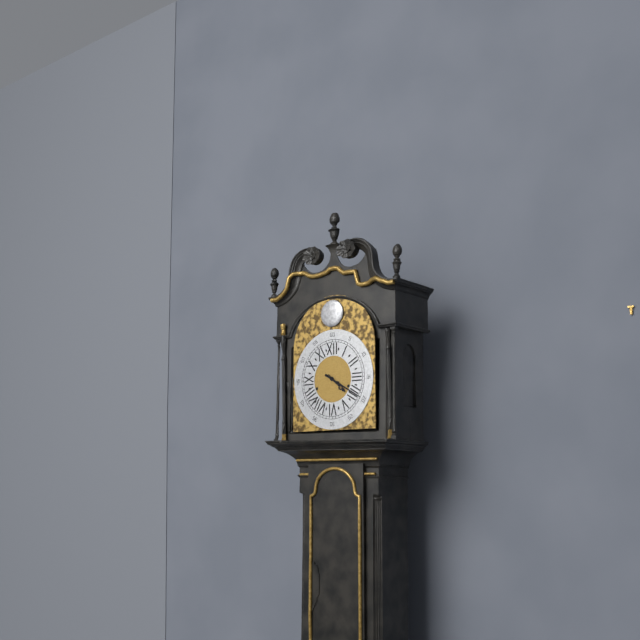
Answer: 4.20
